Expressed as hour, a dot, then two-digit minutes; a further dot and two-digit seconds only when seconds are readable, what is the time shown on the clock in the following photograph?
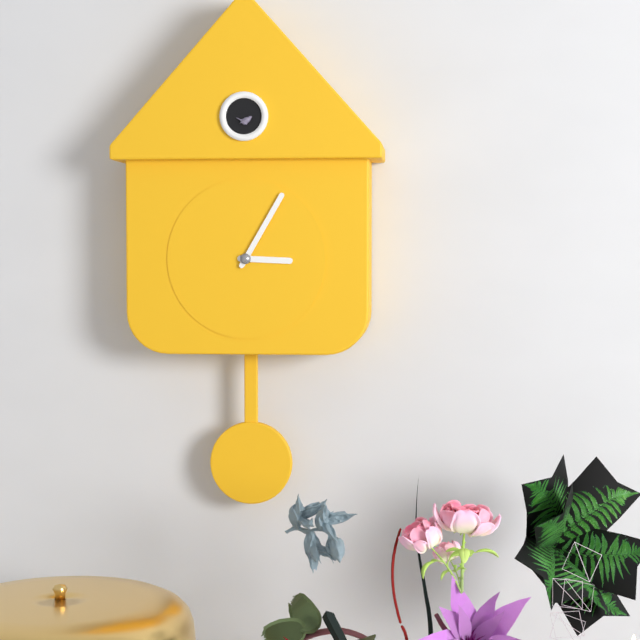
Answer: 3.05
